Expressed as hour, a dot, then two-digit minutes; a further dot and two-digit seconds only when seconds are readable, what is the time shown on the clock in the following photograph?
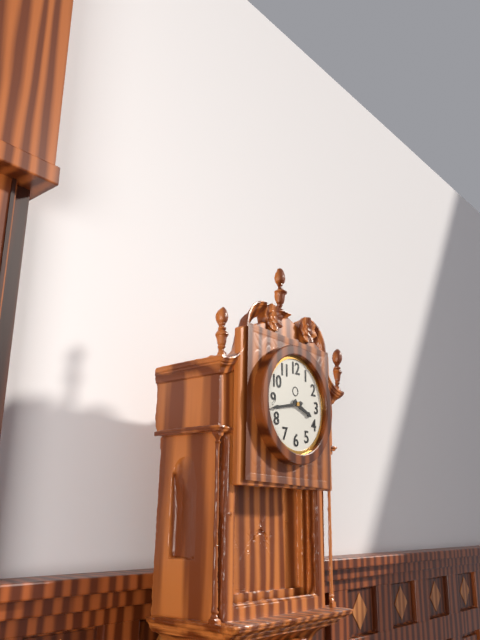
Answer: 3.43
